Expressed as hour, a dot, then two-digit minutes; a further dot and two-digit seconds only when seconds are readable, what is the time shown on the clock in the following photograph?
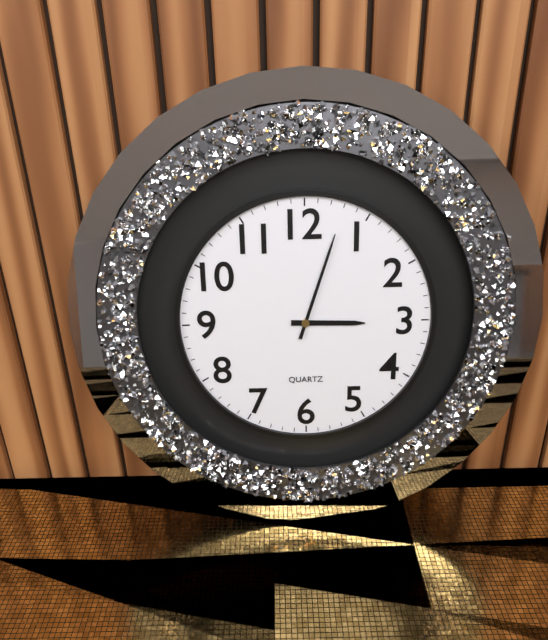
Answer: 3.03
